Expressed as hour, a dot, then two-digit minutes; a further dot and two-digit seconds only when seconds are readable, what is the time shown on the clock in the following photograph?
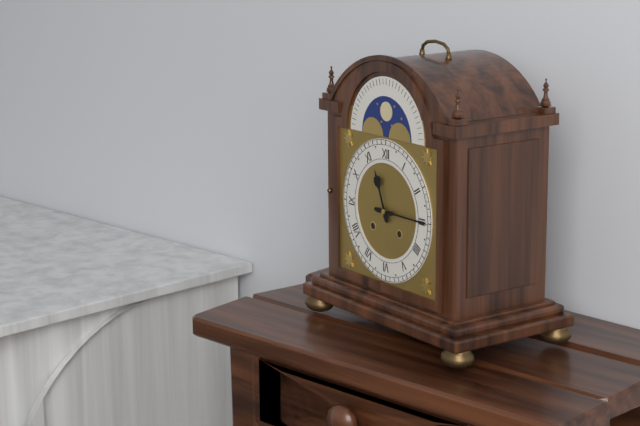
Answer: 11.15
